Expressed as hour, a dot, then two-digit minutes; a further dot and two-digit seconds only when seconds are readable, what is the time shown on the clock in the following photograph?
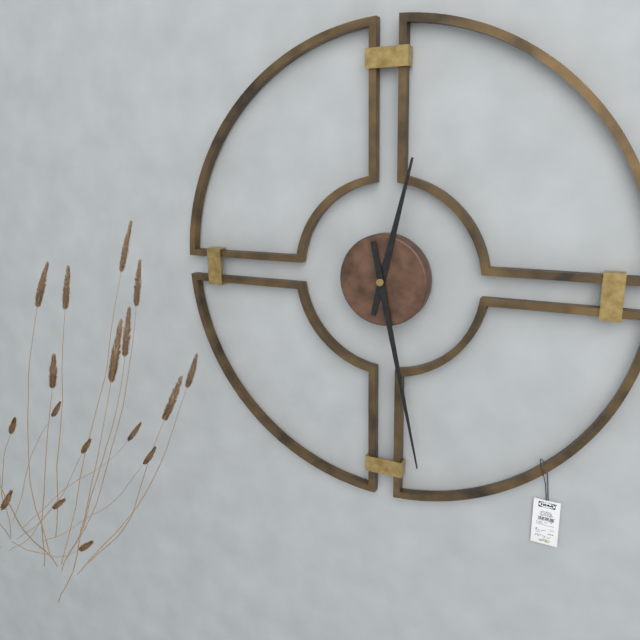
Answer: 12.28
